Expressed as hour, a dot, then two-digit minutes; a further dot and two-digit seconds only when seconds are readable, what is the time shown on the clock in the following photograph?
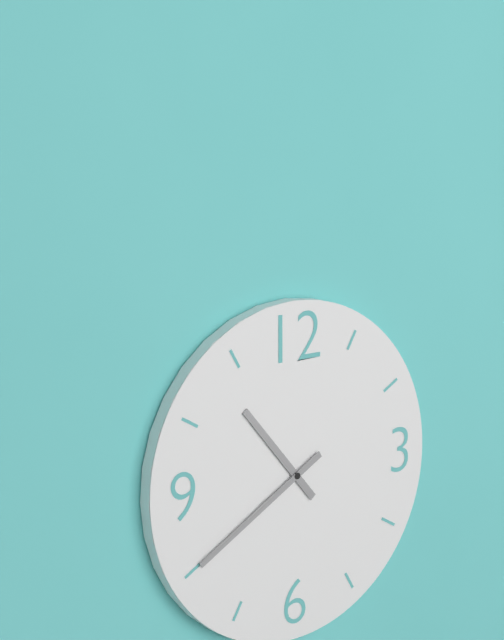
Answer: 10.40
